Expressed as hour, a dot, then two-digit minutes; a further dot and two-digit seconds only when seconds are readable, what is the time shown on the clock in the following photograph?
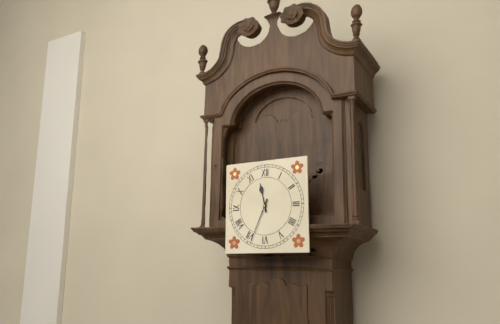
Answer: 11.34
